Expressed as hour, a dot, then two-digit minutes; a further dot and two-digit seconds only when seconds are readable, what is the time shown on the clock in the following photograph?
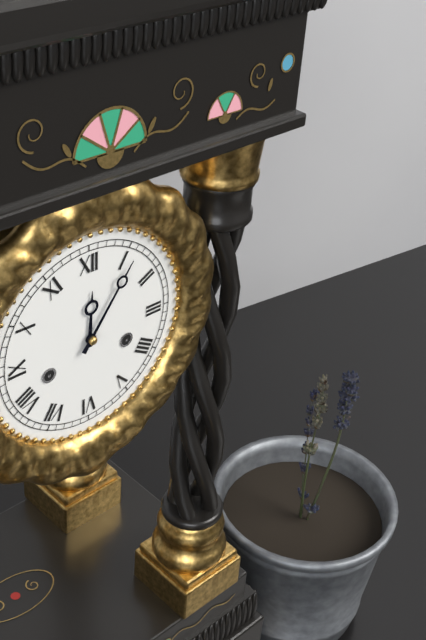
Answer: 12.06
